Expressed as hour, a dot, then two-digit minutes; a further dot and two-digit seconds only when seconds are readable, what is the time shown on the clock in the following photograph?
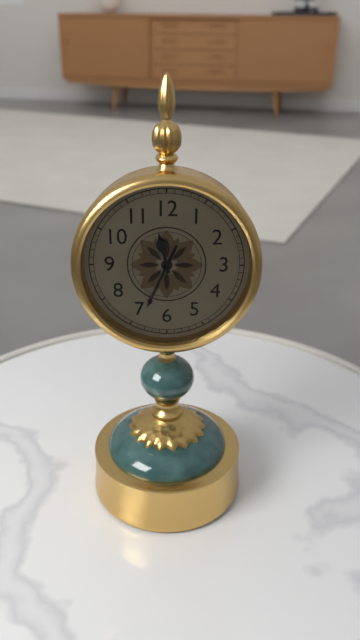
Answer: 11.34
